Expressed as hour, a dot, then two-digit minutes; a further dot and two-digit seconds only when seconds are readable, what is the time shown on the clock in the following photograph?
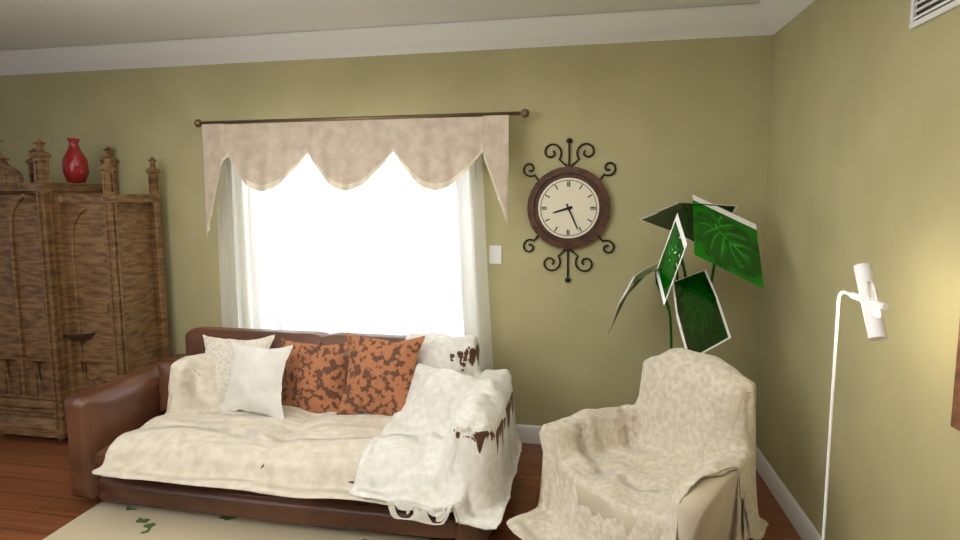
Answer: 8.26
